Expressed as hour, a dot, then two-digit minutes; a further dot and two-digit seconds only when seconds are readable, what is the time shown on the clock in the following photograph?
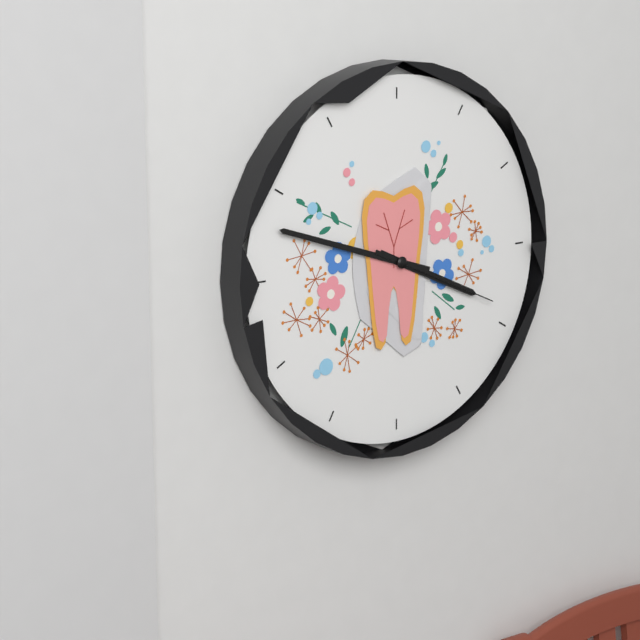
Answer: 3.48.19
